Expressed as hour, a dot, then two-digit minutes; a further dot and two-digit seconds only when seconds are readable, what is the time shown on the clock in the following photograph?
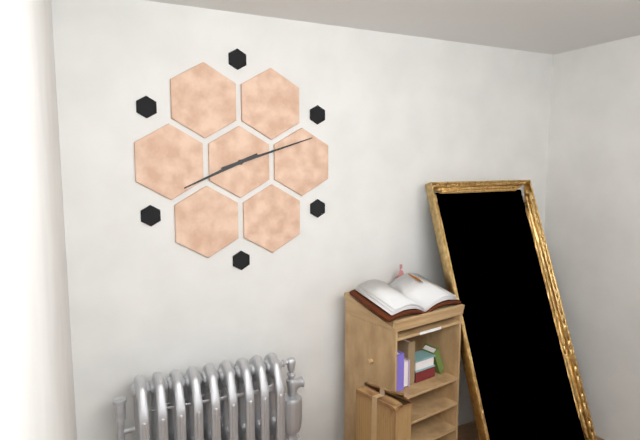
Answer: 8.12
